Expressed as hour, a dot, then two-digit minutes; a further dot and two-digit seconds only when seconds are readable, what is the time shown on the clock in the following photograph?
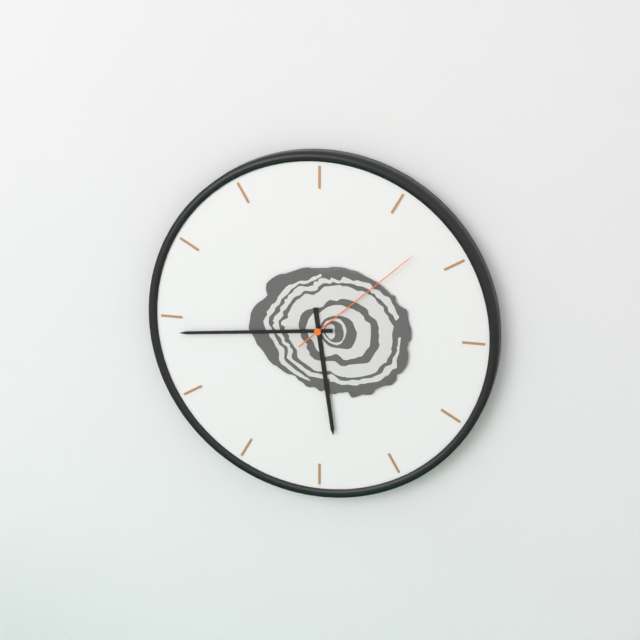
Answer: 5.44.08
